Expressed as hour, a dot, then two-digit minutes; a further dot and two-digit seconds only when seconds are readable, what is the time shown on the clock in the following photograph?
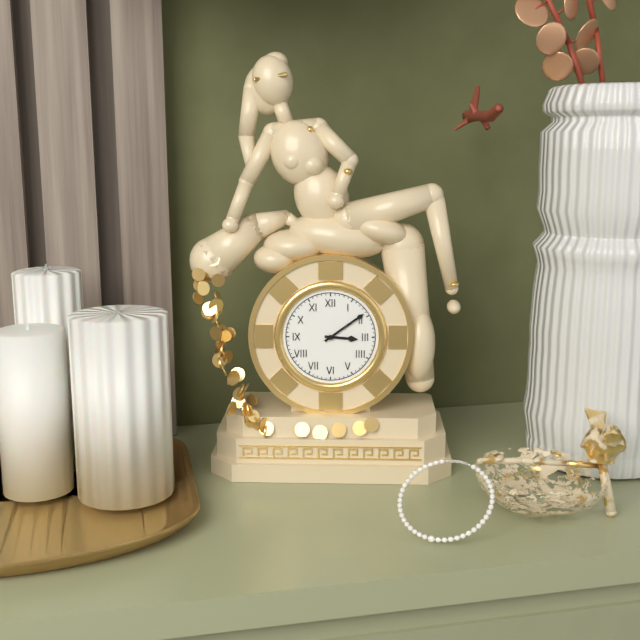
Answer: 3.09
